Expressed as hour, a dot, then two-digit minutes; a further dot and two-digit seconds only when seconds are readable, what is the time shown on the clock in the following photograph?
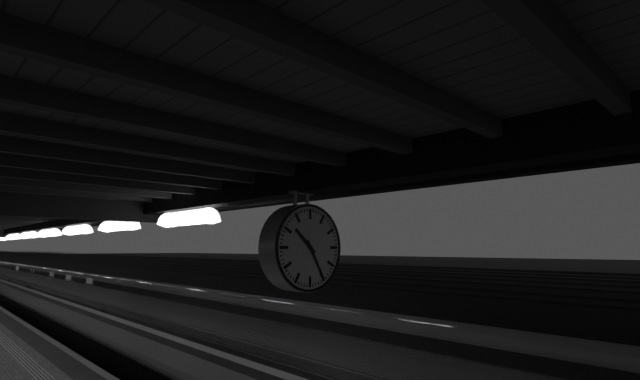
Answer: 10.25
